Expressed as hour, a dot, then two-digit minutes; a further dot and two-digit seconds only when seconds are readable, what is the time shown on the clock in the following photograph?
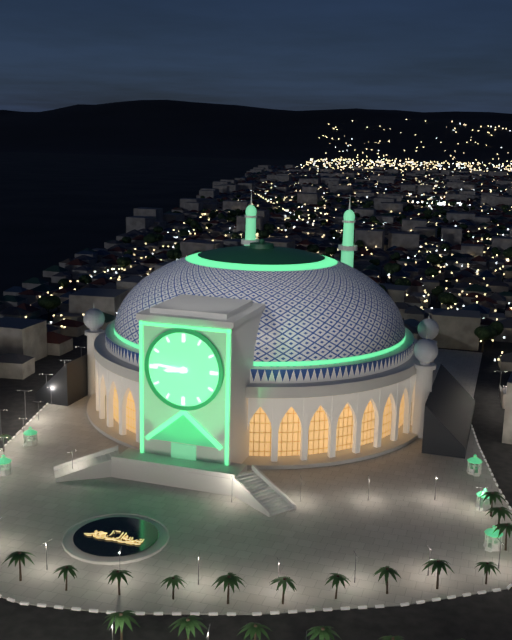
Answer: 8.46
